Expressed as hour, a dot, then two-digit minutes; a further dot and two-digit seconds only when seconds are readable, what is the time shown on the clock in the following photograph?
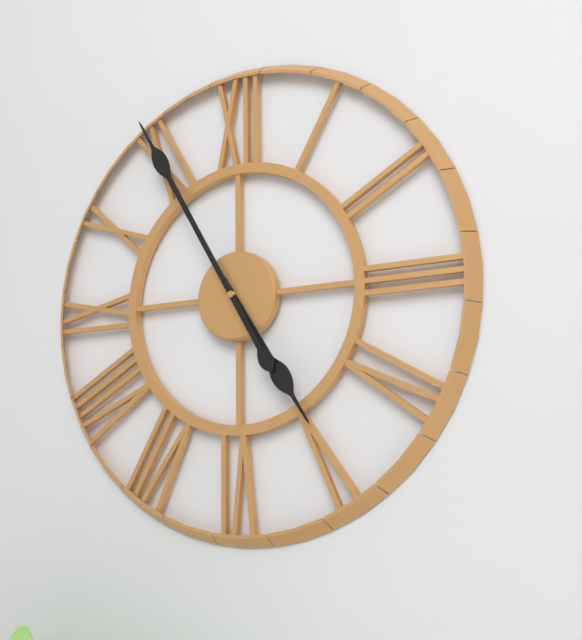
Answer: 4.55
